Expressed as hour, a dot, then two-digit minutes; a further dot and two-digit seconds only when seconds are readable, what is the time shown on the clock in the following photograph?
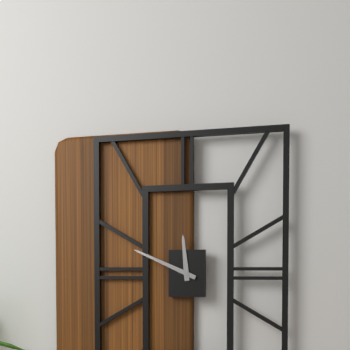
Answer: 11.49
